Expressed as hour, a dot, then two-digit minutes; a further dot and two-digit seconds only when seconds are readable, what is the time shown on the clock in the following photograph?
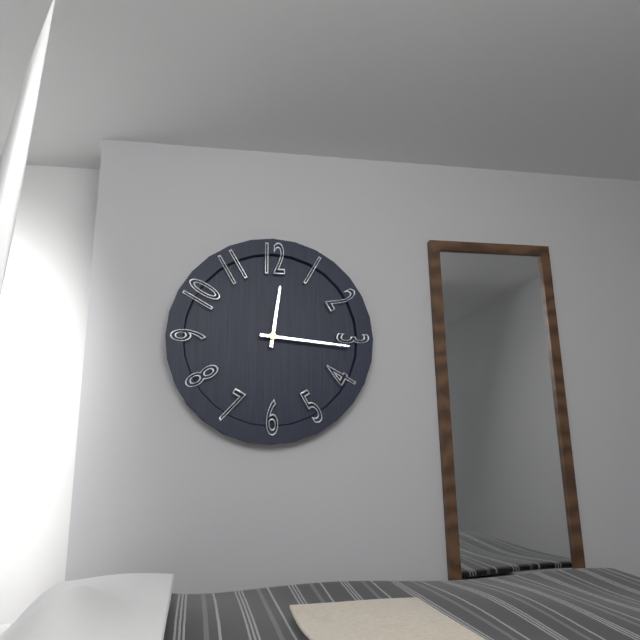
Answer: 12.16
